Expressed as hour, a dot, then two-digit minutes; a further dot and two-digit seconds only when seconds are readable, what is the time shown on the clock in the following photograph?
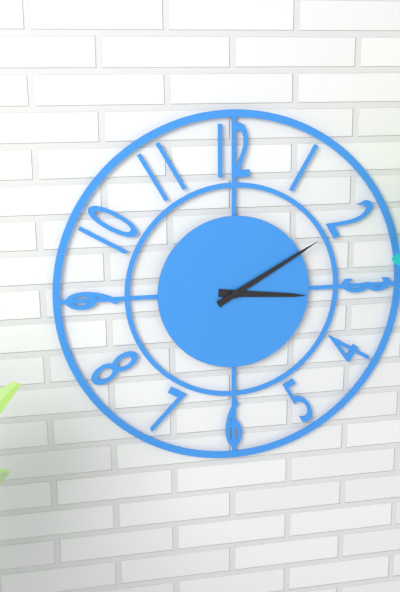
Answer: 3.10
